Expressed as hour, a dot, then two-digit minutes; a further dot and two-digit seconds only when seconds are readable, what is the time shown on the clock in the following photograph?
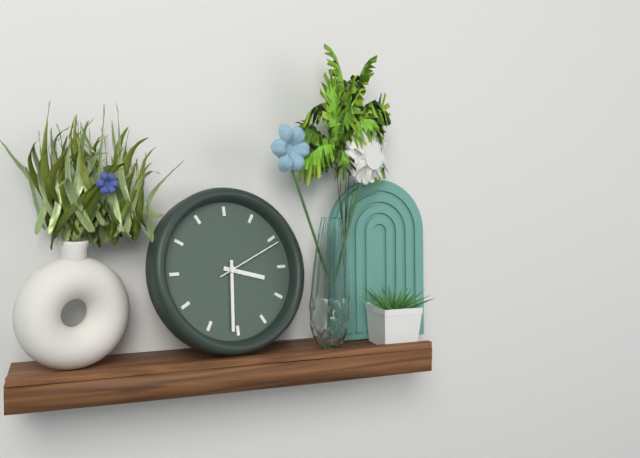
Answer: 3.31.11
